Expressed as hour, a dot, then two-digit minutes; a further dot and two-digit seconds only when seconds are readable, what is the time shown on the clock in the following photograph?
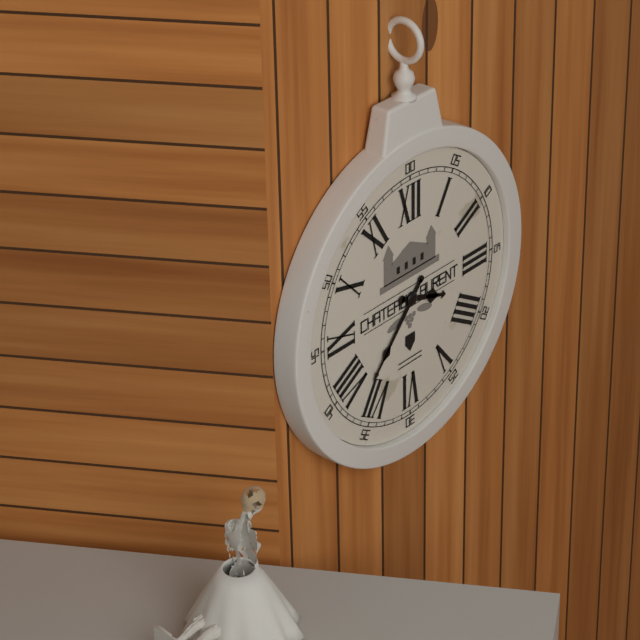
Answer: 3.37
